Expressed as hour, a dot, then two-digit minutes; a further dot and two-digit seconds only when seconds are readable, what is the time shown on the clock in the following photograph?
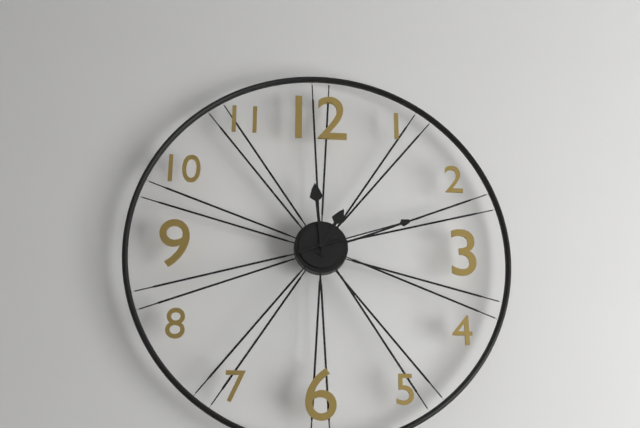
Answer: 12.59.12
